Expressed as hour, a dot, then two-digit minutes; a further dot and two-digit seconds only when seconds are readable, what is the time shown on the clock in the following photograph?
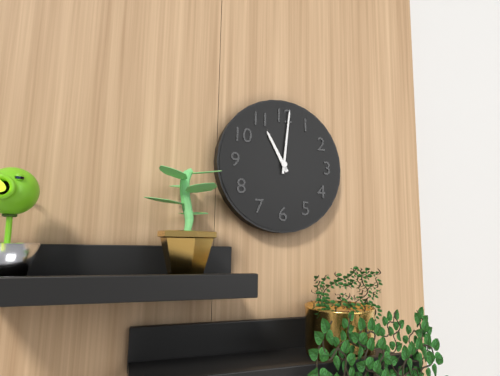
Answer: 11.01
